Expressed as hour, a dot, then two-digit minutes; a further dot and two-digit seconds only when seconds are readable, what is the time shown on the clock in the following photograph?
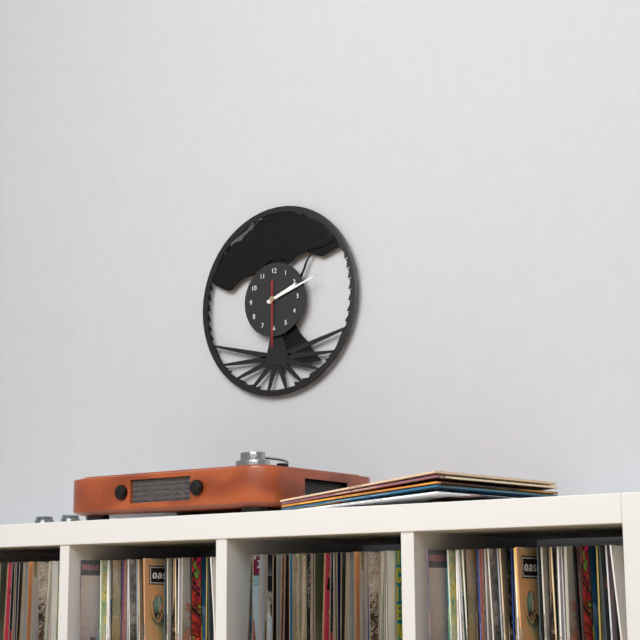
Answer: 2.12.30
